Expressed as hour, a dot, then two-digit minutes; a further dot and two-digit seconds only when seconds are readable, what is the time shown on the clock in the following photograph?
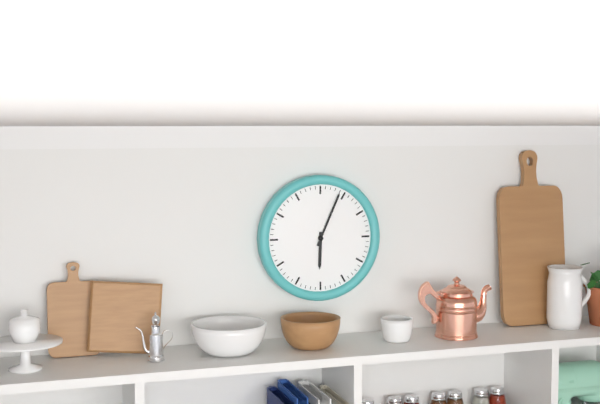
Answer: 6.04
